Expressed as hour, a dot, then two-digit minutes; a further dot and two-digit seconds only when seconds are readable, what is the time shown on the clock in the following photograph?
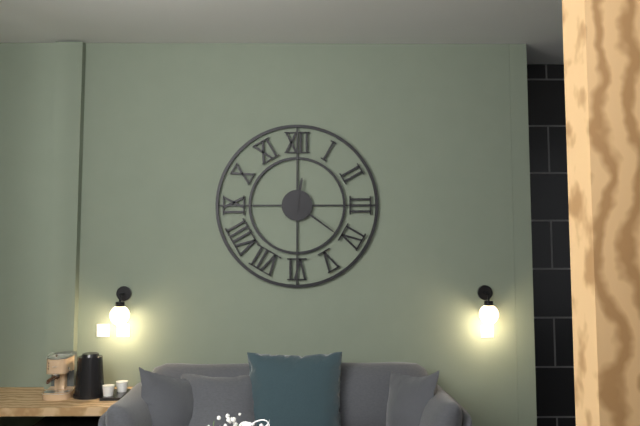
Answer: 12.21
